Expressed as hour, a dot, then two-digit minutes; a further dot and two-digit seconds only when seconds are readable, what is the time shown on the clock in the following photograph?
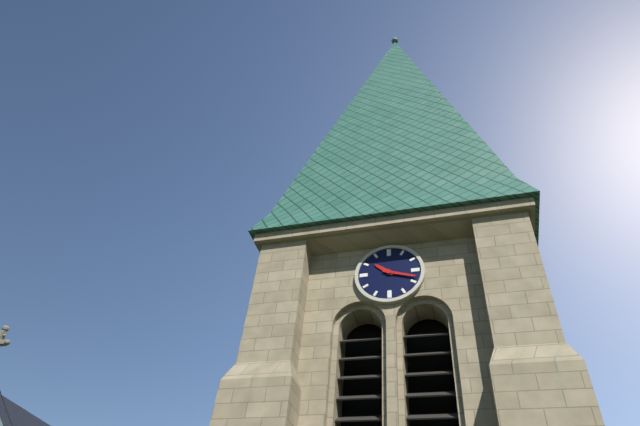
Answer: 10.18
